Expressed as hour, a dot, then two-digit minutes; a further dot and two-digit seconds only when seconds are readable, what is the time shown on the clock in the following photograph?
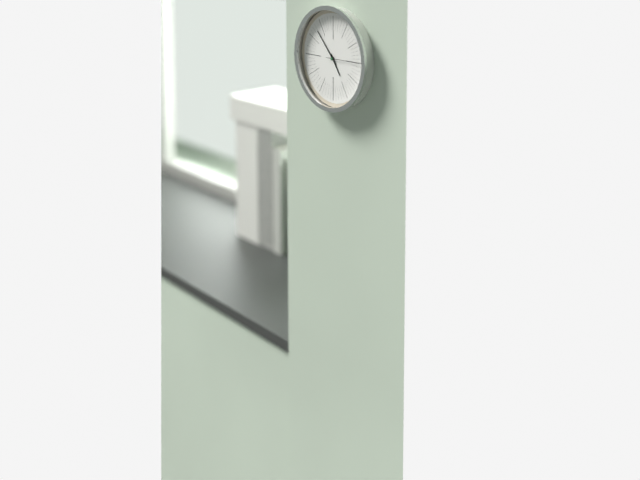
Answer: 4.53
